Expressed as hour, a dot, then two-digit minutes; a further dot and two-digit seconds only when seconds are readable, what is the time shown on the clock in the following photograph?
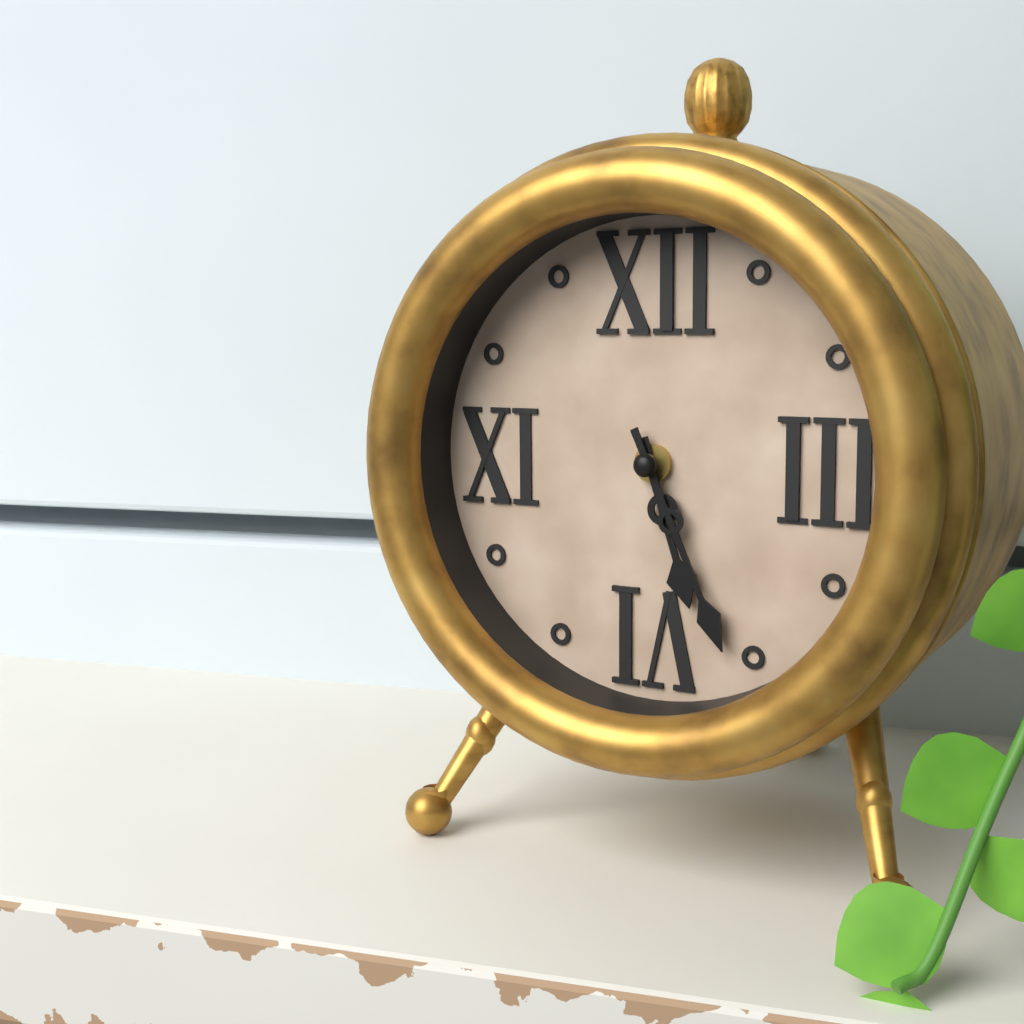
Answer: 5.26
